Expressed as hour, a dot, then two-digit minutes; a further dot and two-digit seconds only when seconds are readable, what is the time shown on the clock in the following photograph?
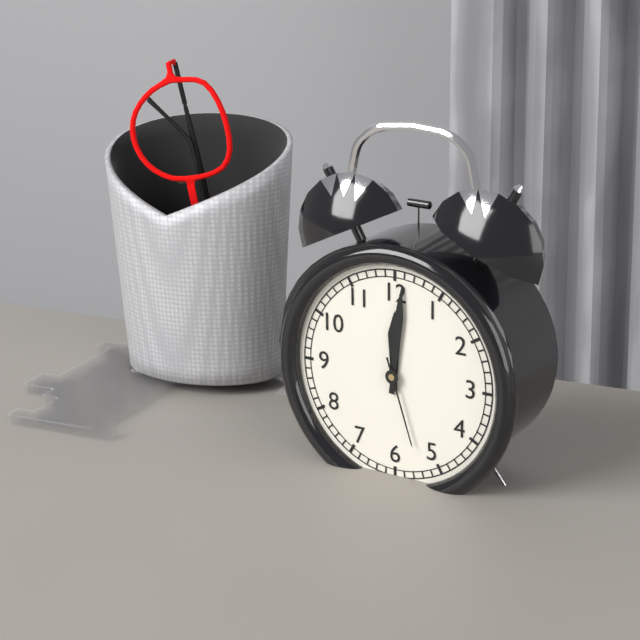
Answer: 12.01.27
